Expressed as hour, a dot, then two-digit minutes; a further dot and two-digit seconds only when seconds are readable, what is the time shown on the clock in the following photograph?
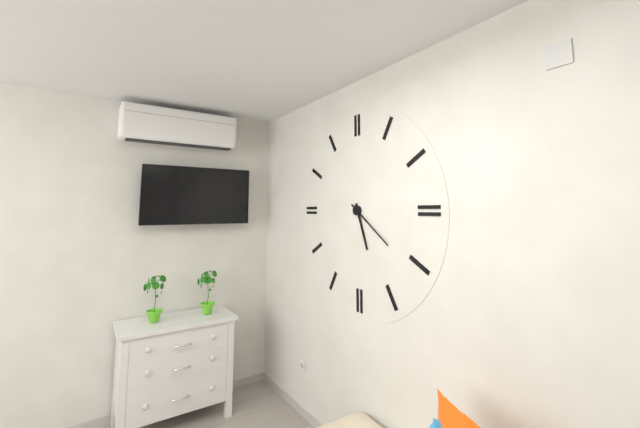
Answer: 5.21
